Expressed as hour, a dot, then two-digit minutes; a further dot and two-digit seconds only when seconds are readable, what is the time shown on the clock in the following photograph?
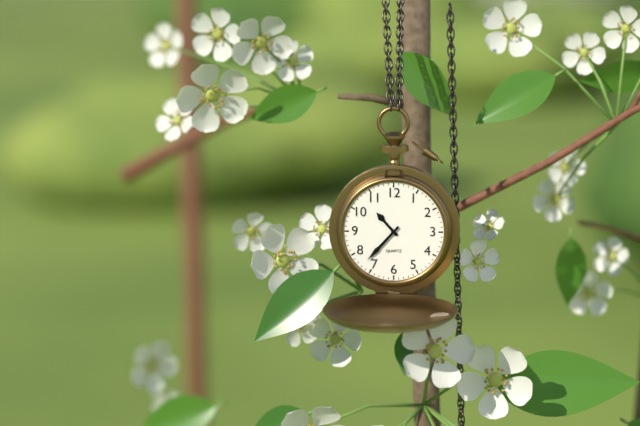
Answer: 10.37
